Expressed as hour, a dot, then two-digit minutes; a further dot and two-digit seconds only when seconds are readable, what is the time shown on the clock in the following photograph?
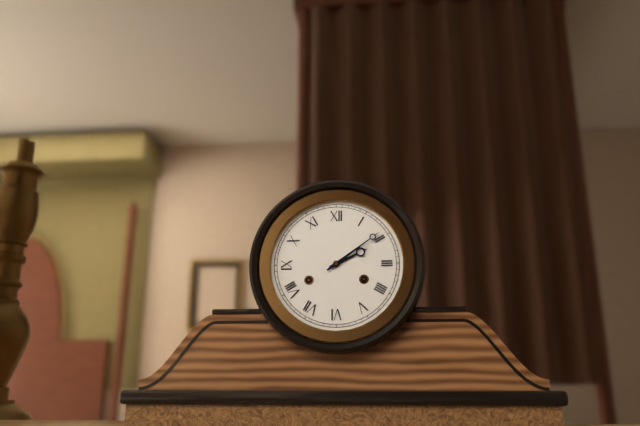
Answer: 2.09
